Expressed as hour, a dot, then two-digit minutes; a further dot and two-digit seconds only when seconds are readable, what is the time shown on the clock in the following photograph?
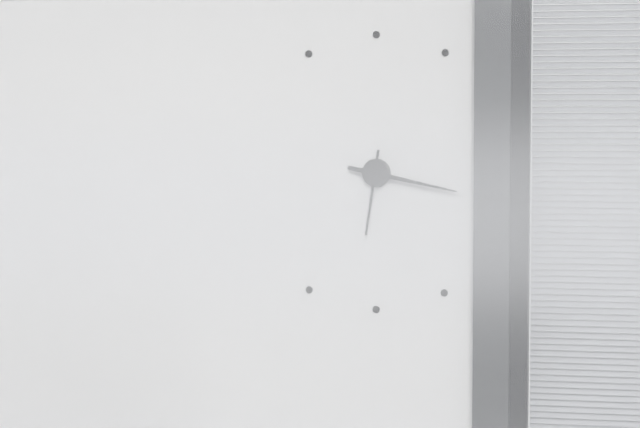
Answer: 6.17
